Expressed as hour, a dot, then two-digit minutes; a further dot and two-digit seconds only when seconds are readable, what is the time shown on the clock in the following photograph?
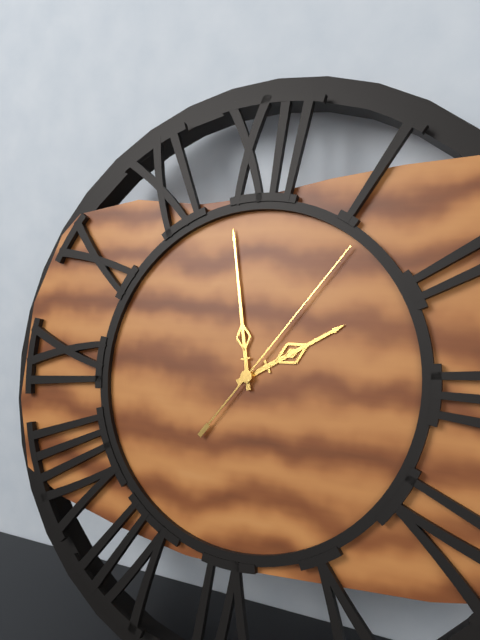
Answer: 1.58.06
